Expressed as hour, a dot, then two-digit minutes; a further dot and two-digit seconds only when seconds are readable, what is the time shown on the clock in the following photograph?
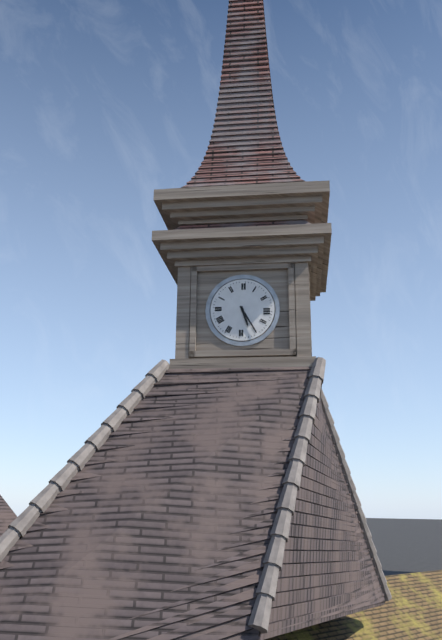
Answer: 5.25
